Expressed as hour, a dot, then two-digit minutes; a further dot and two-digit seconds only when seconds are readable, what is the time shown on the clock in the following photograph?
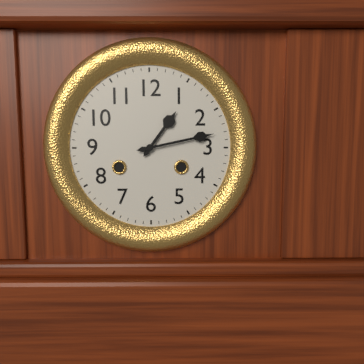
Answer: 1.13
